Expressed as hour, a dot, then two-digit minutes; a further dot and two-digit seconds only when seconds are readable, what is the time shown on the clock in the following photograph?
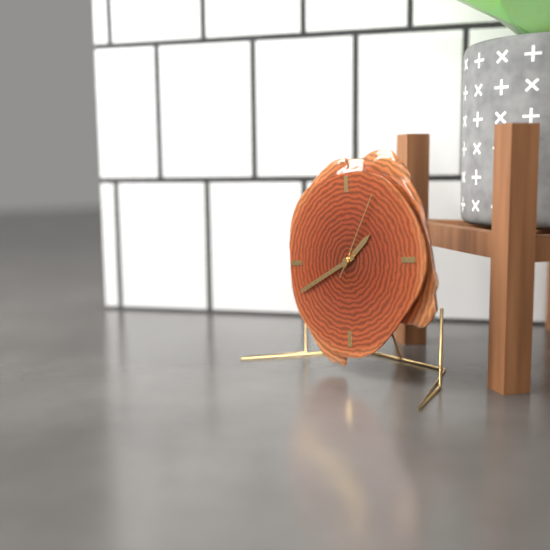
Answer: 1.41.05
